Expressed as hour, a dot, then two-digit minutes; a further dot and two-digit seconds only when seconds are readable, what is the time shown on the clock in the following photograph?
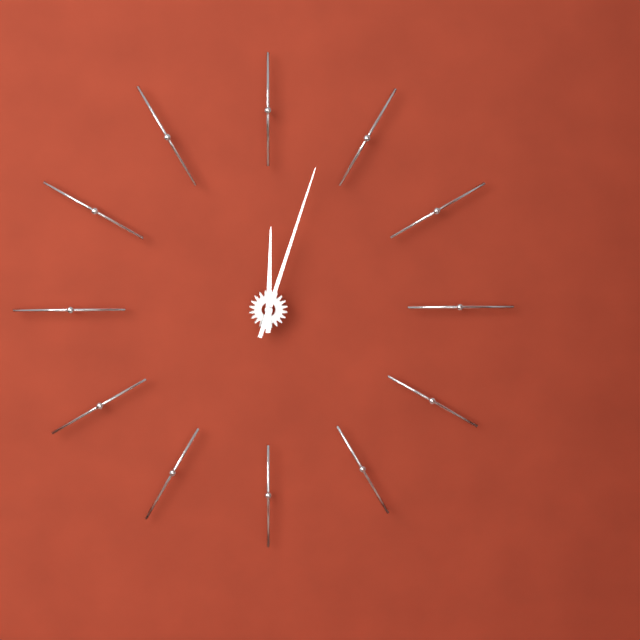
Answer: 12.03
